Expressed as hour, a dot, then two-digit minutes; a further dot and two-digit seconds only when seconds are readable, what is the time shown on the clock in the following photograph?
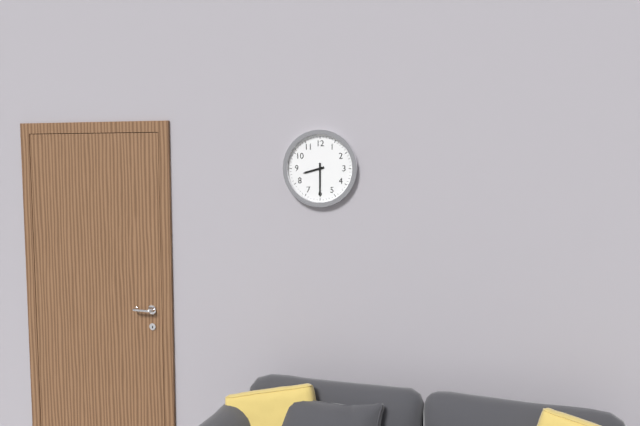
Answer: 8.30
